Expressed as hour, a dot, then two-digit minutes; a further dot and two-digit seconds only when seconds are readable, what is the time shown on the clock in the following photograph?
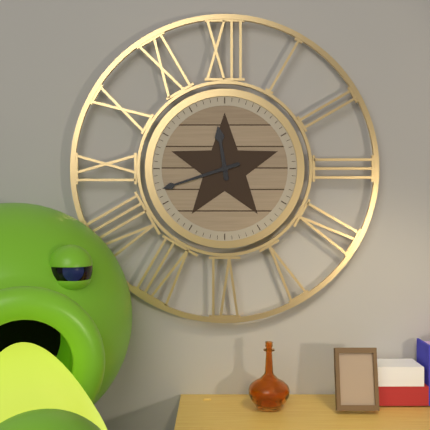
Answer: 11.42
